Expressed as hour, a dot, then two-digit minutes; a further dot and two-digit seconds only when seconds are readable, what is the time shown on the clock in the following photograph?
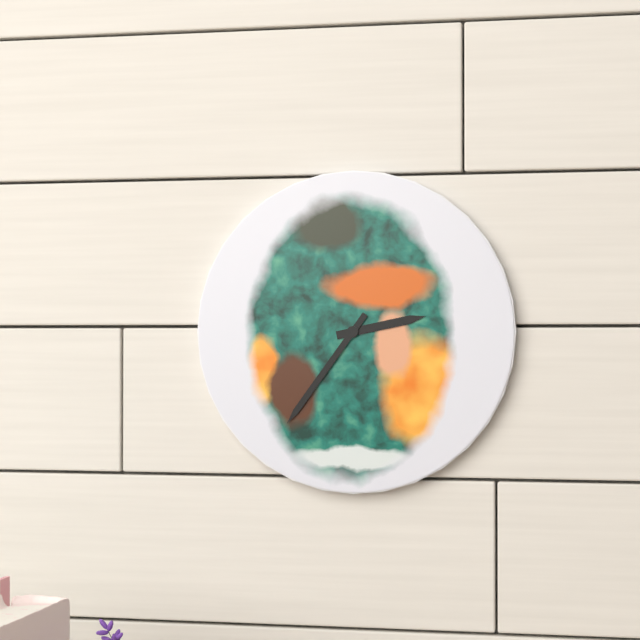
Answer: 2.36
